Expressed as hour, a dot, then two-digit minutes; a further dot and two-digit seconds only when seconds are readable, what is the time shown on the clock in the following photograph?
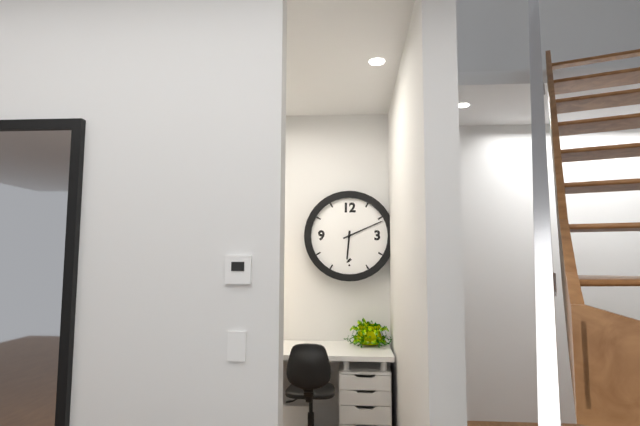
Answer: 6.11
